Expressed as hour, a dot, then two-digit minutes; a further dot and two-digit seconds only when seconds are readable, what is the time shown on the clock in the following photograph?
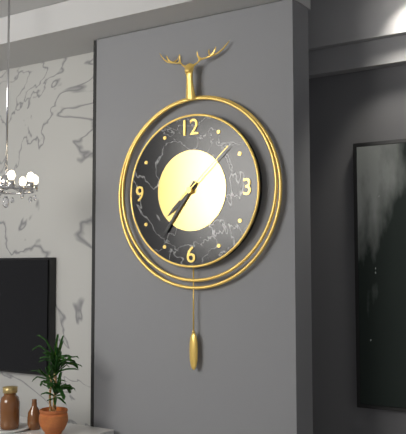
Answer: 7.36.08
